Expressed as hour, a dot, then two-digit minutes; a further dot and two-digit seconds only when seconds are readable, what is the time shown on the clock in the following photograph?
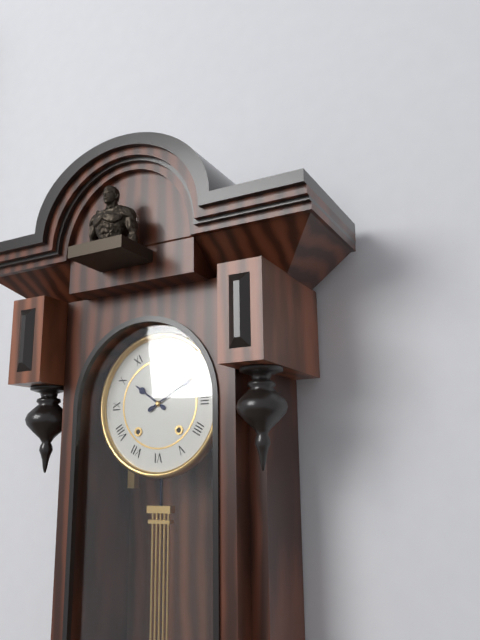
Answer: 10.10
